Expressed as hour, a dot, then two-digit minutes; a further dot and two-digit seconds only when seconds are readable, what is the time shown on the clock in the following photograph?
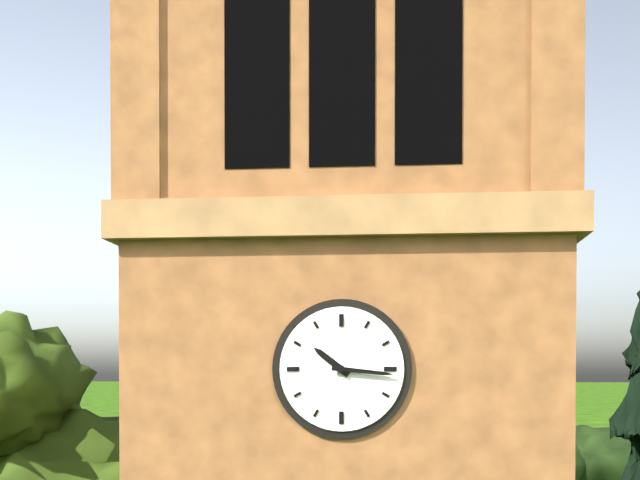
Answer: 10.16
